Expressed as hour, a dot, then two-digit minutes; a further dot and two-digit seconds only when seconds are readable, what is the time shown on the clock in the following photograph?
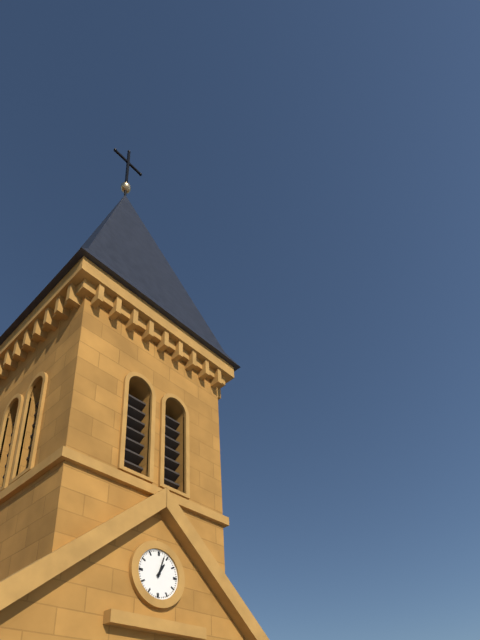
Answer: 1.03
